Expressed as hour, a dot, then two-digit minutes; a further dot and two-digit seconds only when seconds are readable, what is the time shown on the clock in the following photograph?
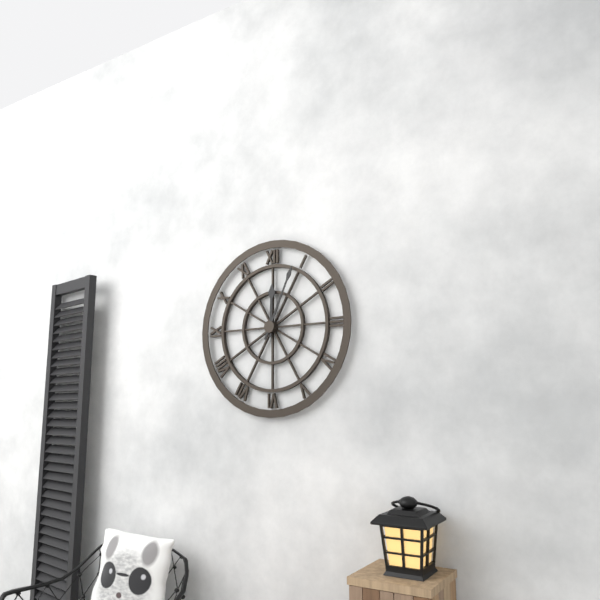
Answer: 12.04
